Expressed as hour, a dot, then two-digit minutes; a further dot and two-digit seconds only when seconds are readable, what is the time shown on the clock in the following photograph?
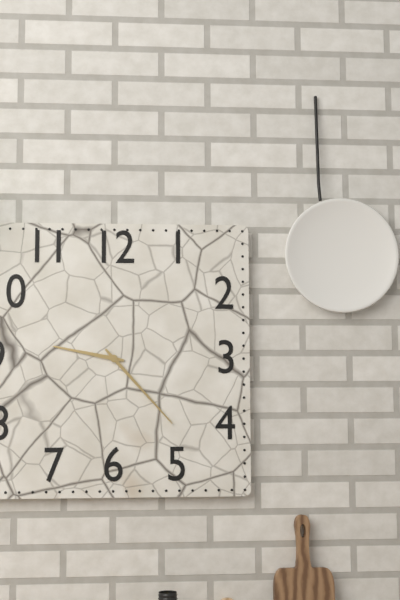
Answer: 9.23
